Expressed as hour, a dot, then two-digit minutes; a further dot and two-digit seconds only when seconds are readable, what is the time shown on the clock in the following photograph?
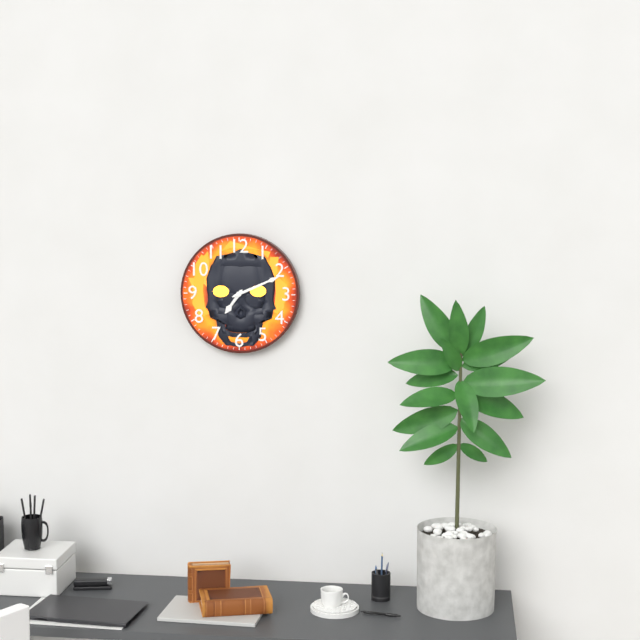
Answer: 7.11
